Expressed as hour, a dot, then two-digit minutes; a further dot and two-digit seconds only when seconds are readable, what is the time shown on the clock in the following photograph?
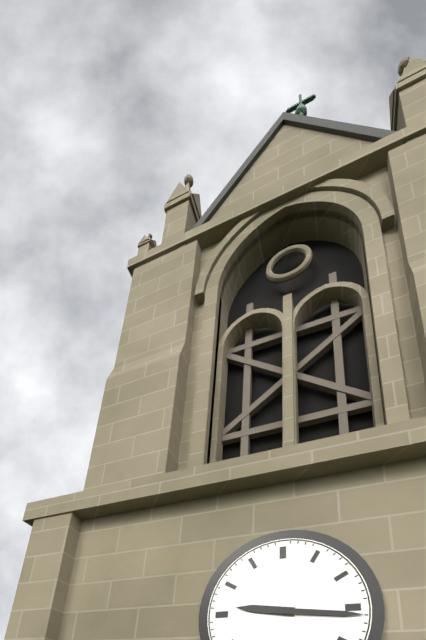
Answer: 9.16
